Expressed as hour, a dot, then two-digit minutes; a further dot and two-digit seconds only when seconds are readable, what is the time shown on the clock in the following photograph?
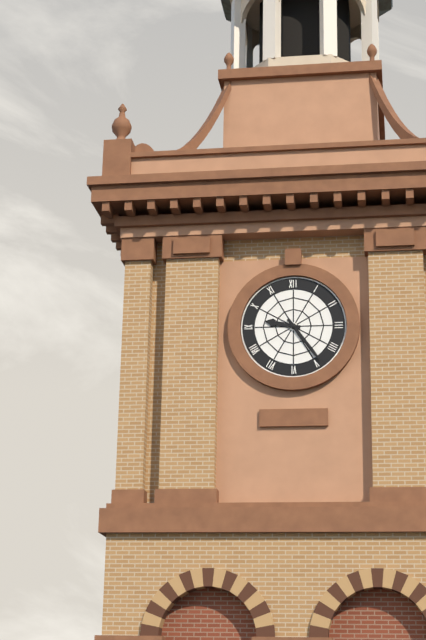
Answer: 9.24
